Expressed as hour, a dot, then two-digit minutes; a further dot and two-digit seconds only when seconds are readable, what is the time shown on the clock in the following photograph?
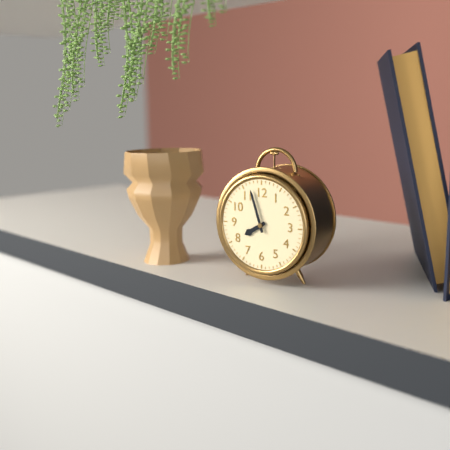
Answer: 7.57
